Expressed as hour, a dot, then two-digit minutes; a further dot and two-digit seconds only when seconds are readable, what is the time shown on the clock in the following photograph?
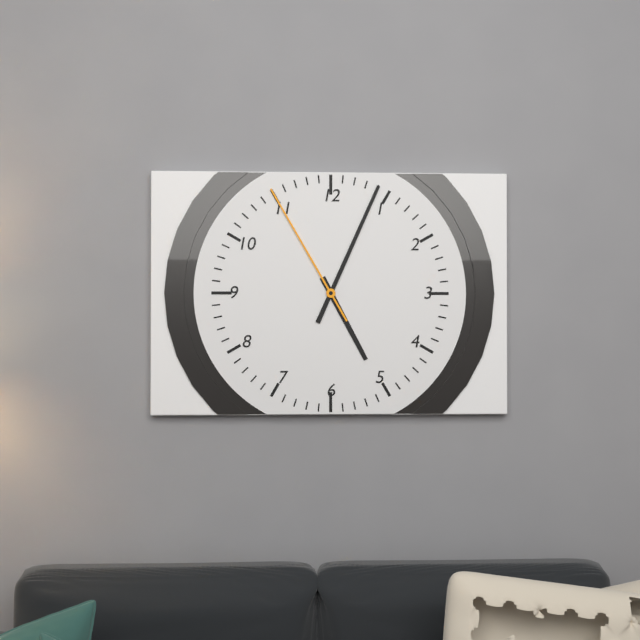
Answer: 5.04.55
